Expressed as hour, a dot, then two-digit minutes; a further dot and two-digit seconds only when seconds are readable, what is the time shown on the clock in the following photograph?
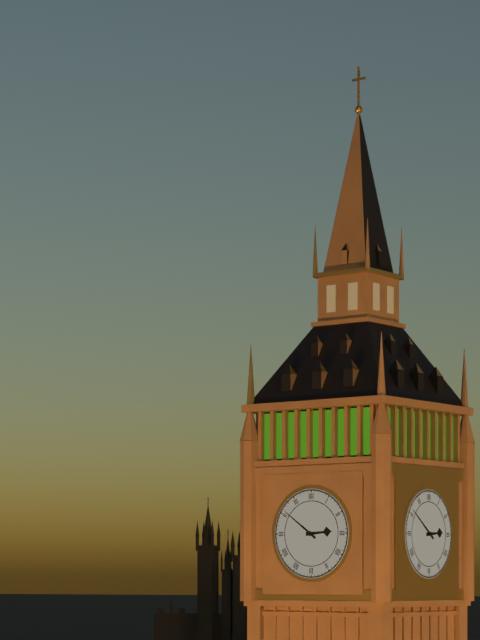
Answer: 2.51
